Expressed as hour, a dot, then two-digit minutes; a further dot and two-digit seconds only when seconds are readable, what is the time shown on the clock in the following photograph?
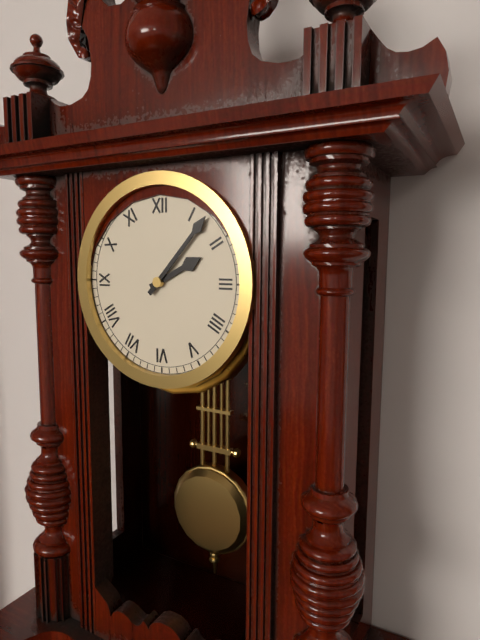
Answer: 2.07
